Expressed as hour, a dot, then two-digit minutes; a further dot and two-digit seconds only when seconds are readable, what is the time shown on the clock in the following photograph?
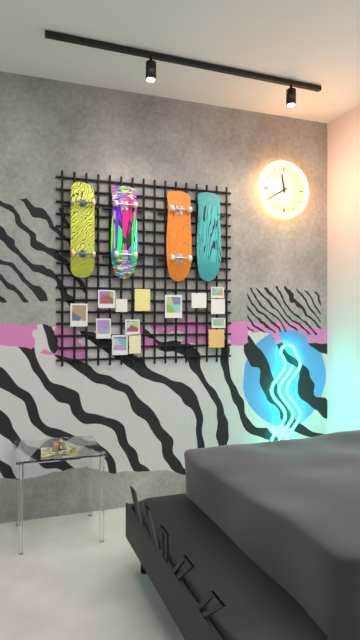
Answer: 11.40
